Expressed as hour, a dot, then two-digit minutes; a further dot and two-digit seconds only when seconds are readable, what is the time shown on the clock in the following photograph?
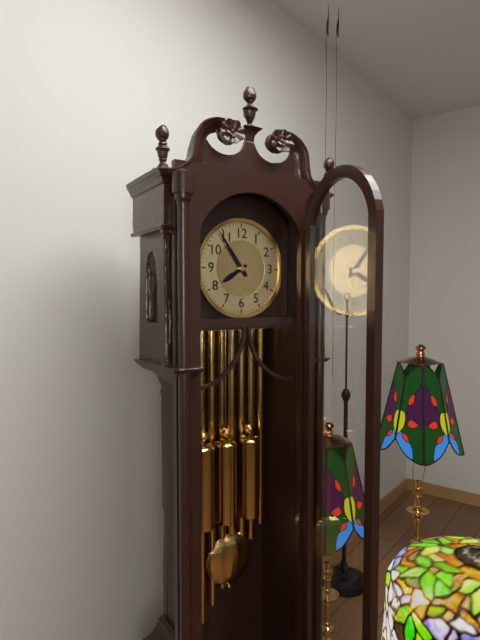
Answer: 7.54
